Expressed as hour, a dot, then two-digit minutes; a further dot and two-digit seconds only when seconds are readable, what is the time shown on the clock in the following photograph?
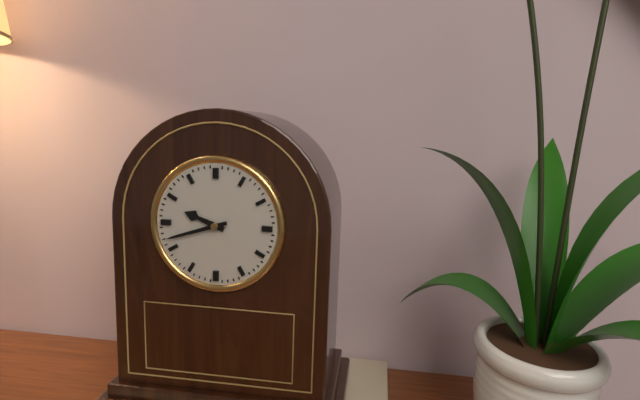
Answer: 9.42
